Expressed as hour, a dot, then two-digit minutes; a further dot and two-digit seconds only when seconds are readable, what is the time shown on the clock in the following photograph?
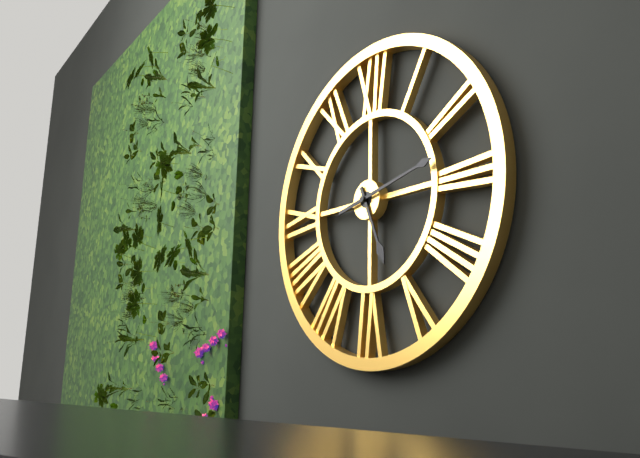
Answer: 5.13
